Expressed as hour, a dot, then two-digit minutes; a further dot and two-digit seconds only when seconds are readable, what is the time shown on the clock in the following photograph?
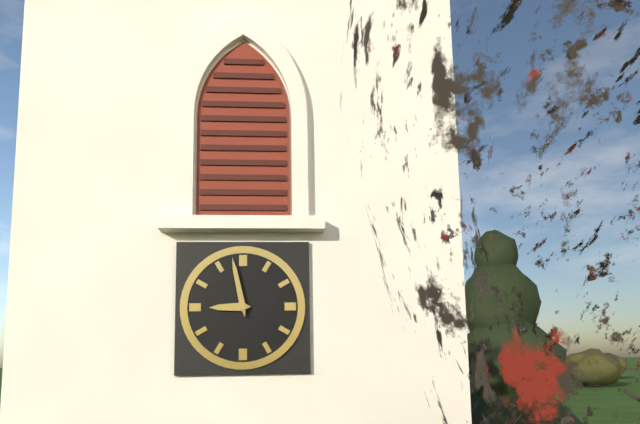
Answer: 8.58
